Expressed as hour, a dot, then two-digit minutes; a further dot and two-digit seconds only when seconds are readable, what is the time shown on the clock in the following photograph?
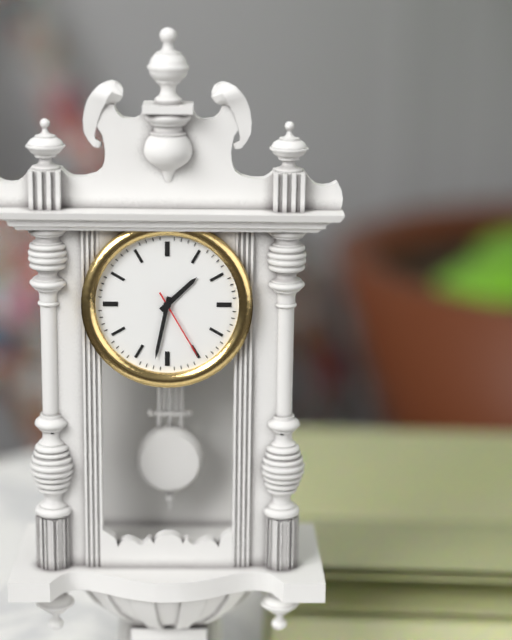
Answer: 1.32.25
